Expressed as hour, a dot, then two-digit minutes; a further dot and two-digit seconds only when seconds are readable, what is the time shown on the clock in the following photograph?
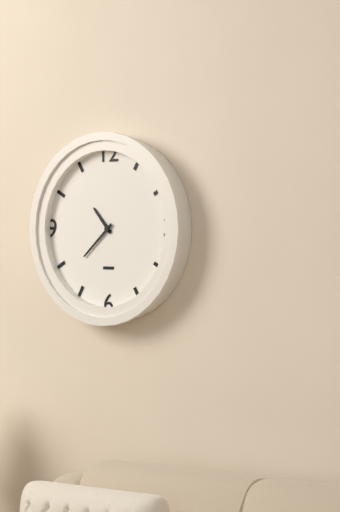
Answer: 10.38
